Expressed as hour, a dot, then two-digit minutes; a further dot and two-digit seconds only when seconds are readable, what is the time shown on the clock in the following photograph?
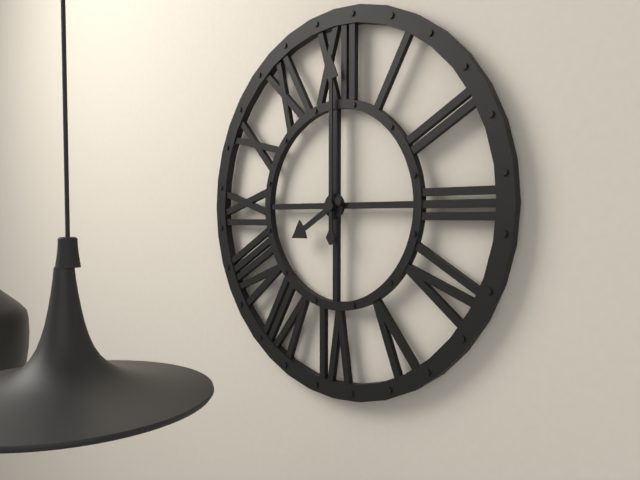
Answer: 8.00
